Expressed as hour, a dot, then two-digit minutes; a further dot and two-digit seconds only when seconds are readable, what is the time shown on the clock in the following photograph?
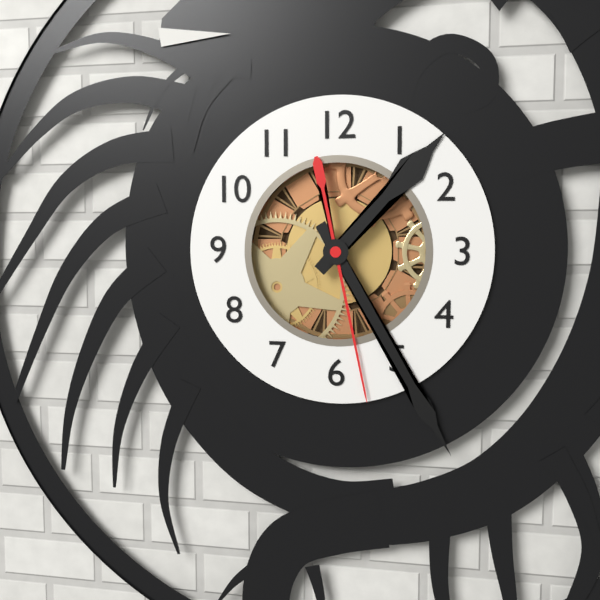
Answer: 1.25.28
